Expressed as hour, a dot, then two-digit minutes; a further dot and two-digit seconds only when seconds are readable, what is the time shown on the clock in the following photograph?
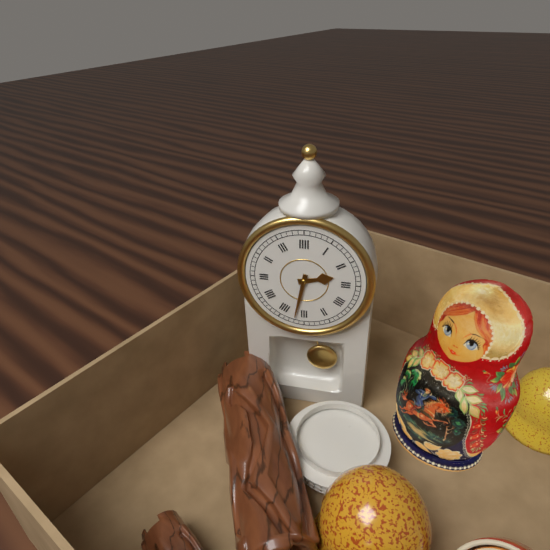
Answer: 2.32
